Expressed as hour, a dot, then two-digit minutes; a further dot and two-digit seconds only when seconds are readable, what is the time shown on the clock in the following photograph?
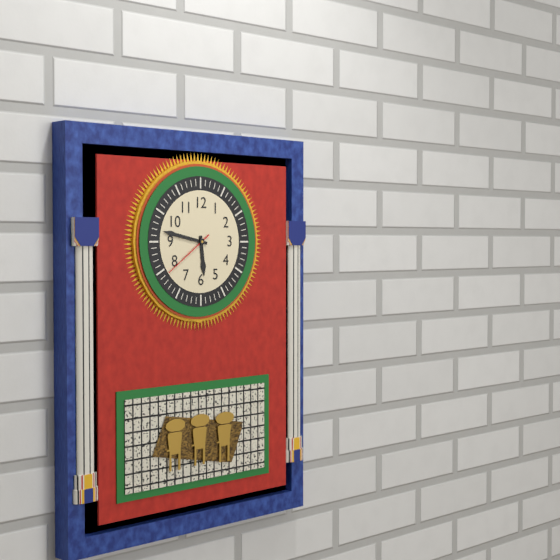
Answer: 5.47.39
